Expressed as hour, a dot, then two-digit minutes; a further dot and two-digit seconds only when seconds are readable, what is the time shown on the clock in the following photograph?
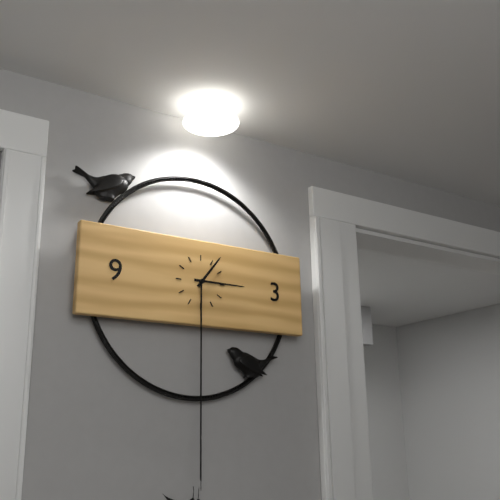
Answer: 1.15
